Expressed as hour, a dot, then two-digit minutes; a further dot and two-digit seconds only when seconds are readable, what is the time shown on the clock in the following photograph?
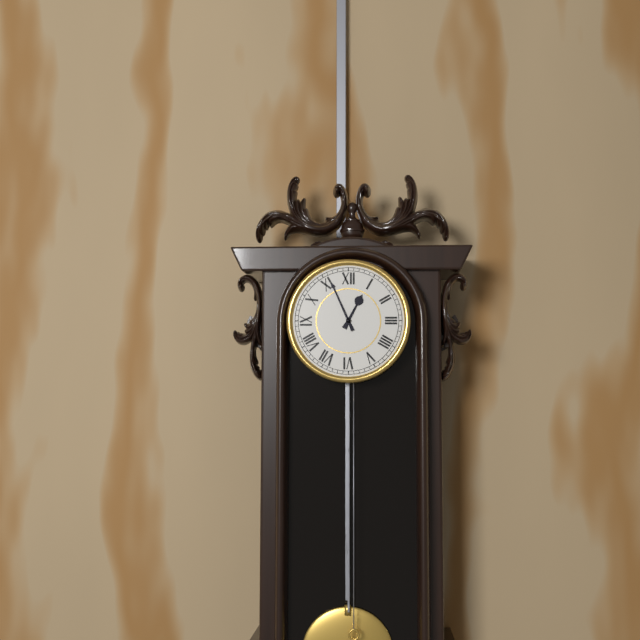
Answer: 12.56
